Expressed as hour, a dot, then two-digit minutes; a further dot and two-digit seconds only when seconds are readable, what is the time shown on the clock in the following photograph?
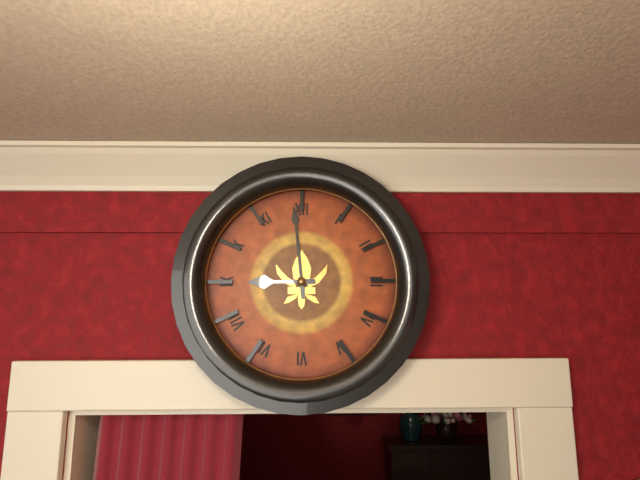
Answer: 8.59
